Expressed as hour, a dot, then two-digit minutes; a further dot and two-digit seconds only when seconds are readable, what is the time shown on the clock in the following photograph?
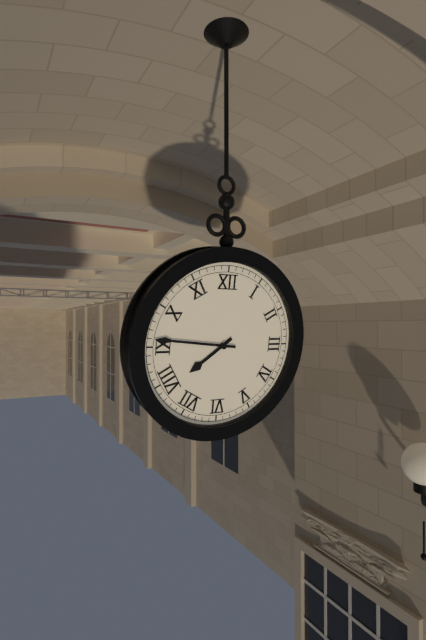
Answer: 7.46
